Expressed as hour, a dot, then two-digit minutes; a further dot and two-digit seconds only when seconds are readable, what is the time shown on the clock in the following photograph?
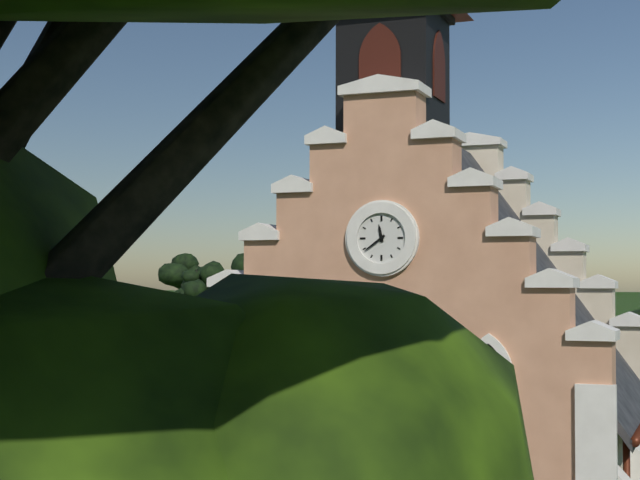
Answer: 11.39
